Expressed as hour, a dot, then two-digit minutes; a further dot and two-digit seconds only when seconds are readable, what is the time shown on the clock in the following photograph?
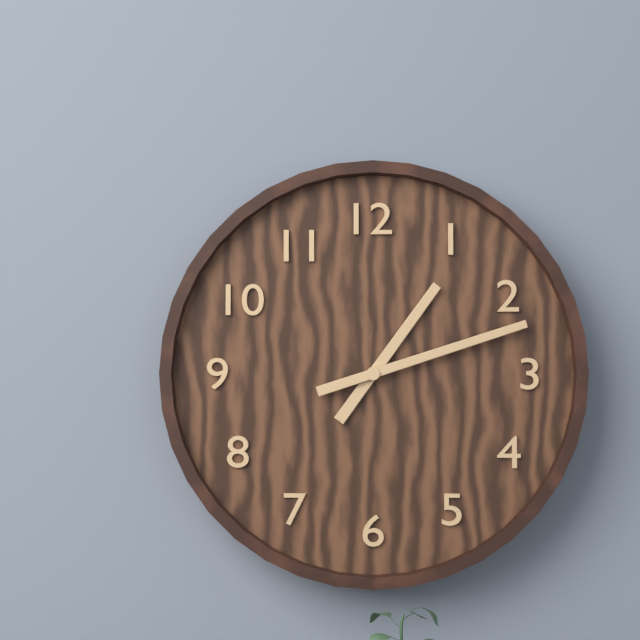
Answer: 1.12
